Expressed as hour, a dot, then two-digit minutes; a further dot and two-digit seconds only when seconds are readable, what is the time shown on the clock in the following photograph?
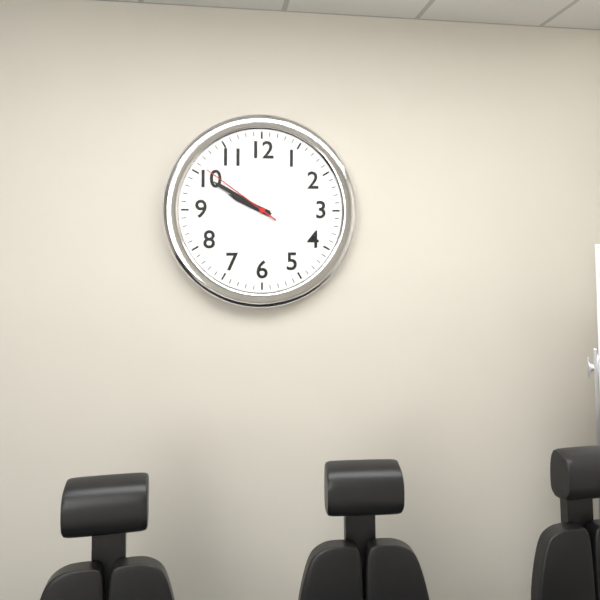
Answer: 9.50.51
